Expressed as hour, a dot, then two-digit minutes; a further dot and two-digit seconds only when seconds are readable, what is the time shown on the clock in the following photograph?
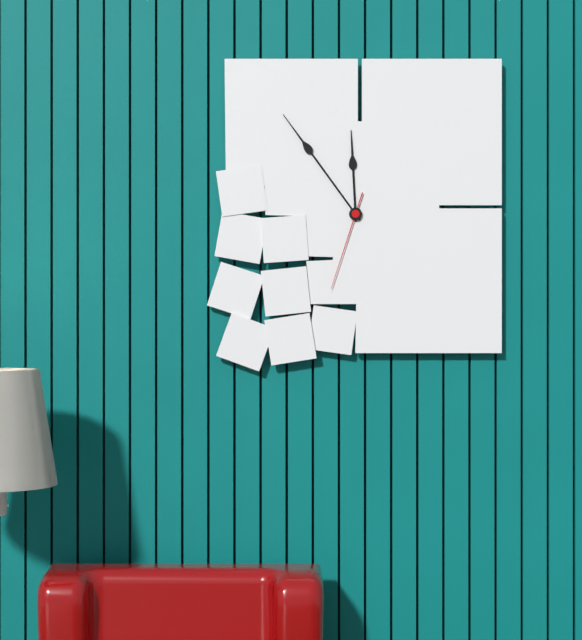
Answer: 11.54.33
